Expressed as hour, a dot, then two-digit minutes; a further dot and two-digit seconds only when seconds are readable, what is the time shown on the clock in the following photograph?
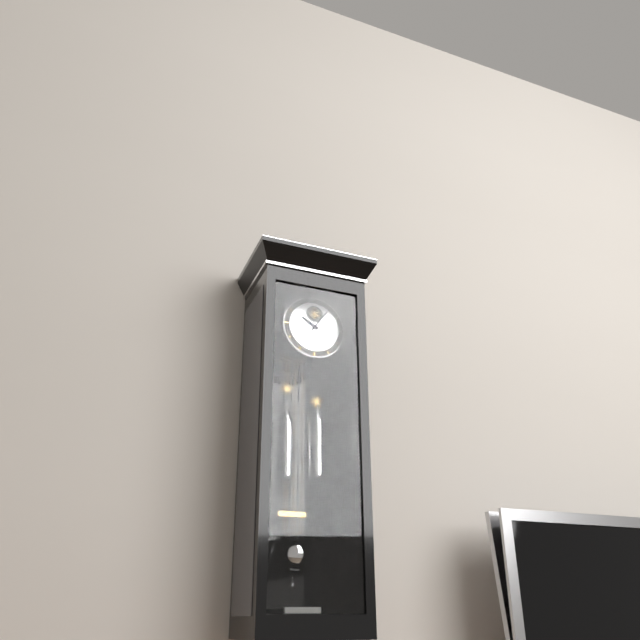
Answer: 10.06
